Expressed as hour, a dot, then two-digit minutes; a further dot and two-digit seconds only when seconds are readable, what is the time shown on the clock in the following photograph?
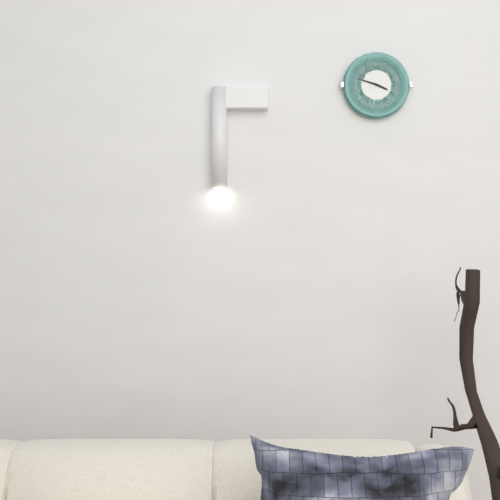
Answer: 3.48
